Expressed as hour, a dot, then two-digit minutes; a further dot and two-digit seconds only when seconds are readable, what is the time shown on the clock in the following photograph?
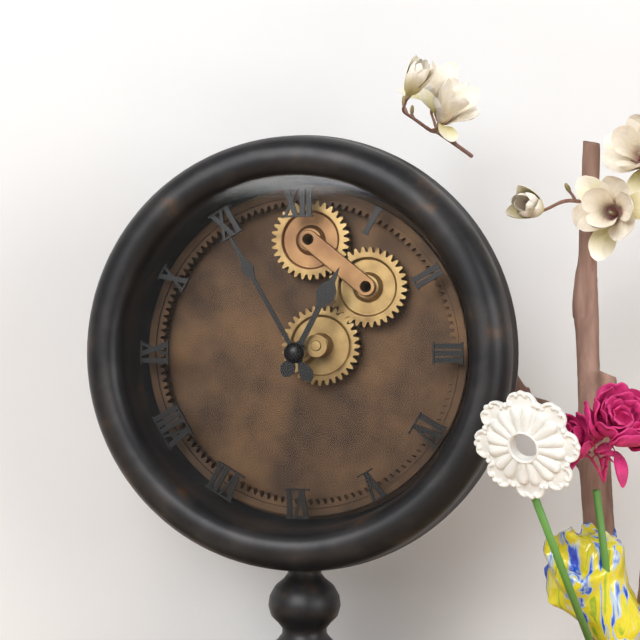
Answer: 12.55
